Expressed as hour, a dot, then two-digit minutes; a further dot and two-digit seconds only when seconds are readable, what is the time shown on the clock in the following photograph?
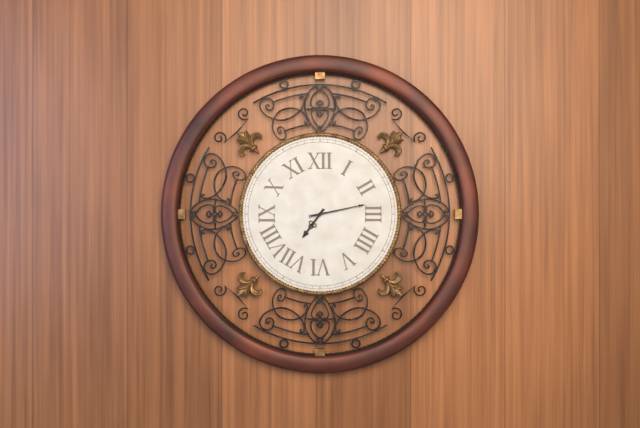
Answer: 7.13
